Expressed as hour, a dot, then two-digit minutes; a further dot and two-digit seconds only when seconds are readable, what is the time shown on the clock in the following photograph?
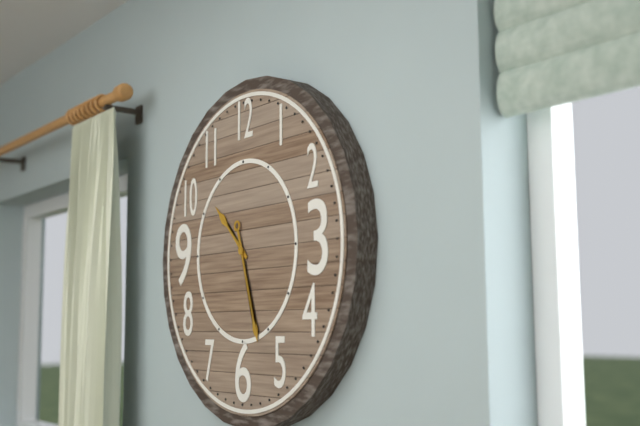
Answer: 10.27
